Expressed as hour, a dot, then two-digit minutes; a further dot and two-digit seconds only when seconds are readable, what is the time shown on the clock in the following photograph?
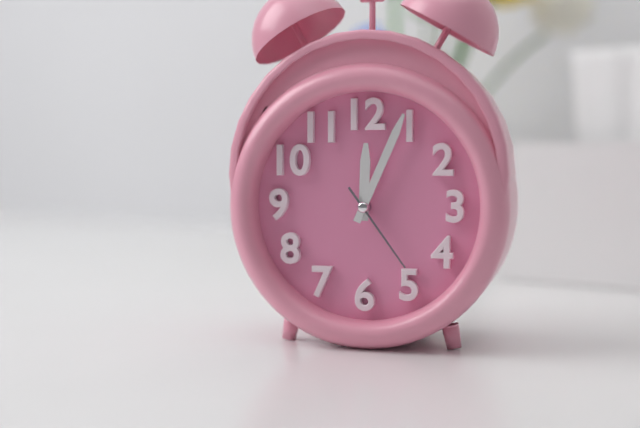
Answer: 12.04.24
